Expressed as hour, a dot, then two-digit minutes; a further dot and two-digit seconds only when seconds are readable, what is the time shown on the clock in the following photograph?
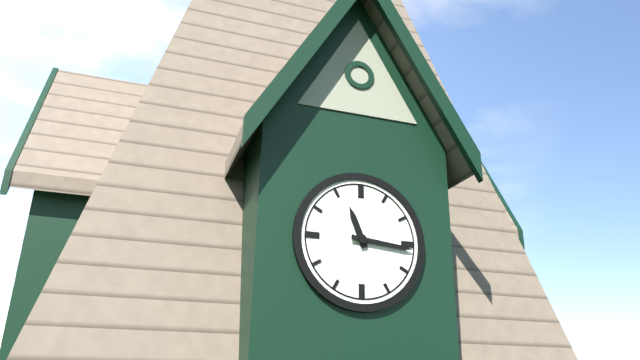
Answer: 11.16
